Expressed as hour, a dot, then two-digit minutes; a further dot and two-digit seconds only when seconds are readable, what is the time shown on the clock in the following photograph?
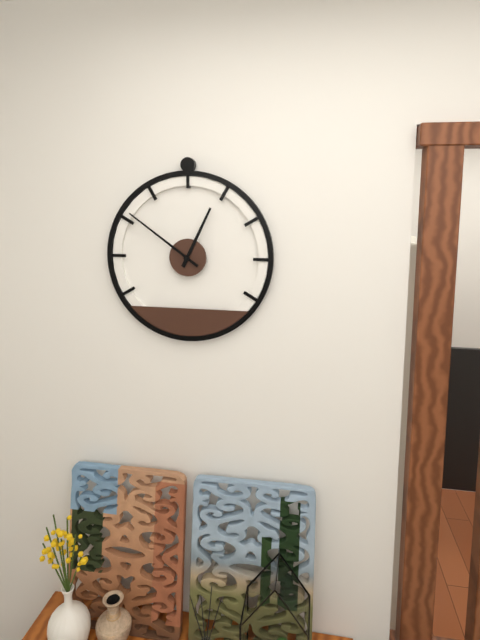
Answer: 12.51
